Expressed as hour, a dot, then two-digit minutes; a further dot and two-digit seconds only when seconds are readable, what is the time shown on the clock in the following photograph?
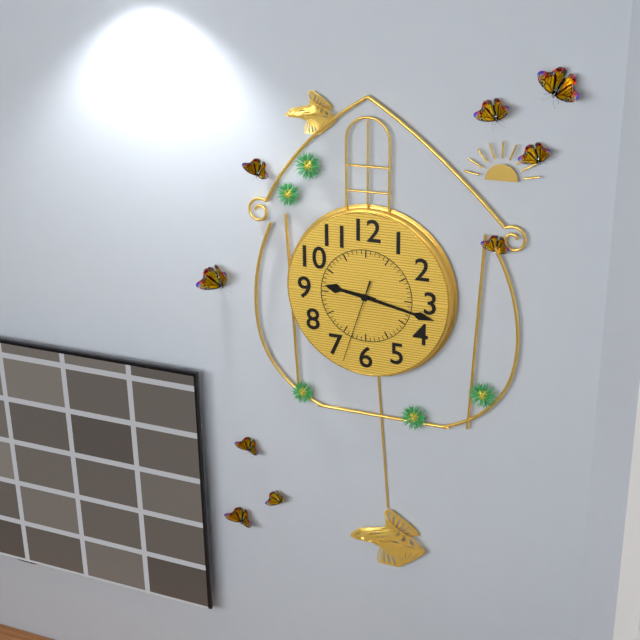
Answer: 9.17.33
